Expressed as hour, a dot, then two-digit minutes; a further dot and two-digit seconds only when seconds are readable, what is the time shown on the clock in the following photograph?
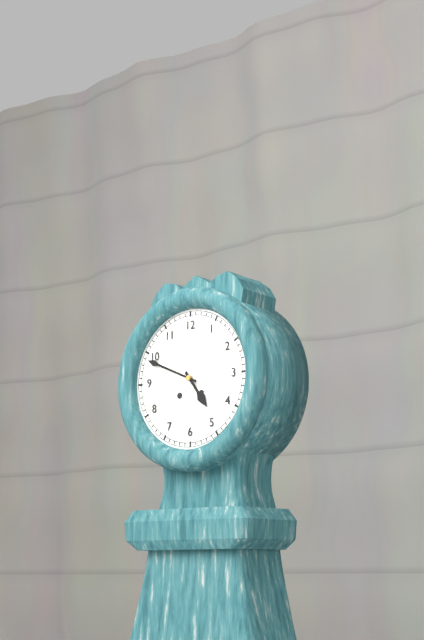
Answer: 4.49
